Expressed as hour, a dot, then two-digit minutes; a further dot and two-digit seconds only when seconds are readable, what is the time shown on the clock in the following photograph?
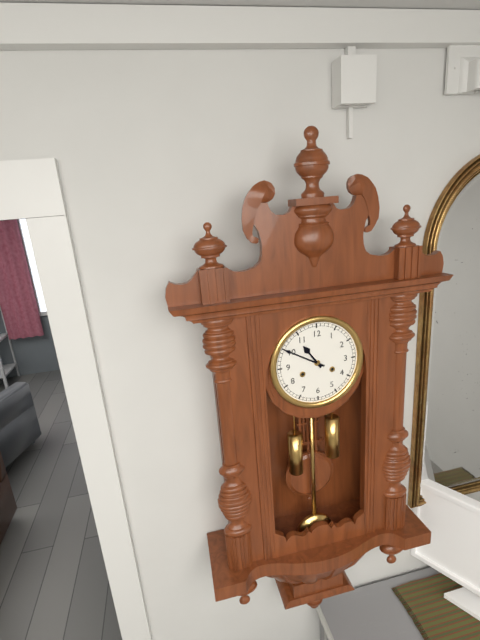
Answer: 10.50
